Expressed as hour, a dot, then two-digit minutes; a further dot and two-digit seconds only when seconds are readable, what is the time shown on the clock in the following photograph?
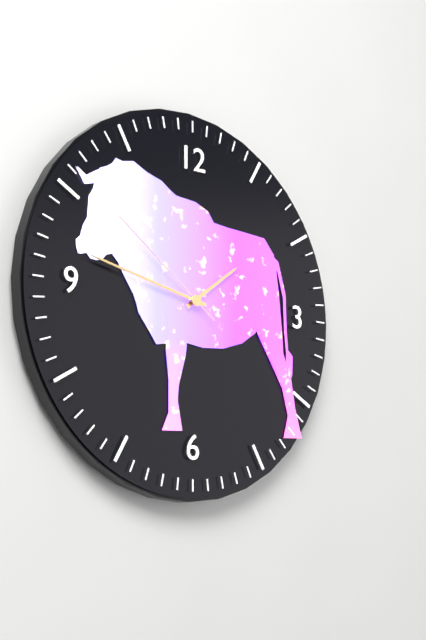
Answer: 1.47.51
